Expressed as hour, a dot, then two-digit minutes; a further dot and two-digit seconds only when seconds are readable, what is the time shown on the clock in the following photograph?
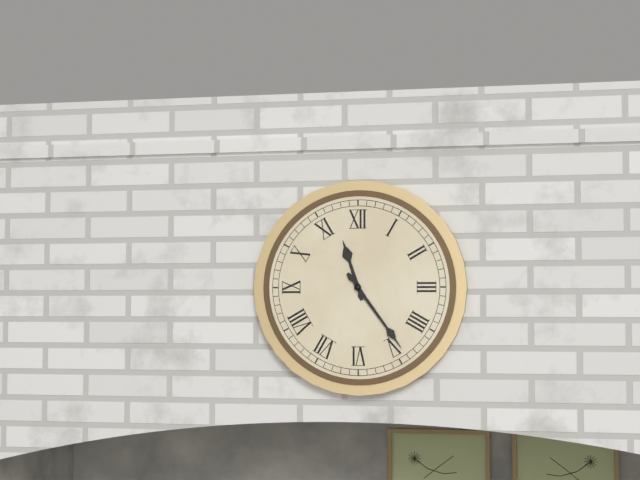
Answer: 11.24
